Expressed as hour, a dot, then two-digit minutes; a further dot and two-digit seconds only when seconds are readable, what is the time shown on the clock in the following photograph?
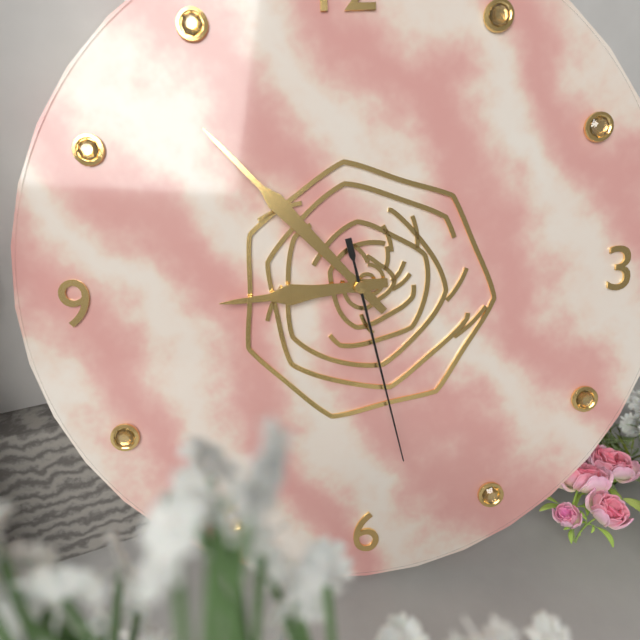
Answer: 8.53.28
